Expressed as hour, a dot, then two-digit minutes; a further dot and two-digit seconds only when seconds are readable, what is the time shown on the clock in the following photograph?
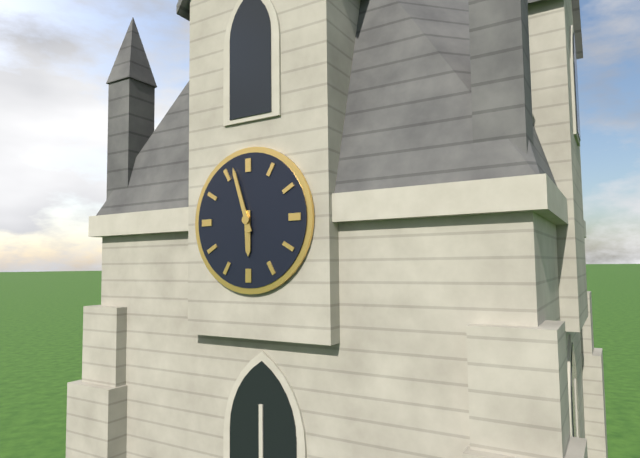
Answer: 5.57
